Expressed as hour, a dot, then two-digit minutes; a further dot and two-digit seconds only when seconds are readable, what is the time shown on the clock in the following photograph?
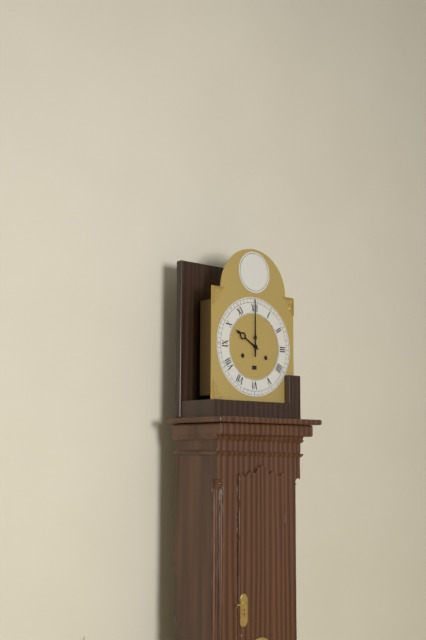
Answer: 10.00
